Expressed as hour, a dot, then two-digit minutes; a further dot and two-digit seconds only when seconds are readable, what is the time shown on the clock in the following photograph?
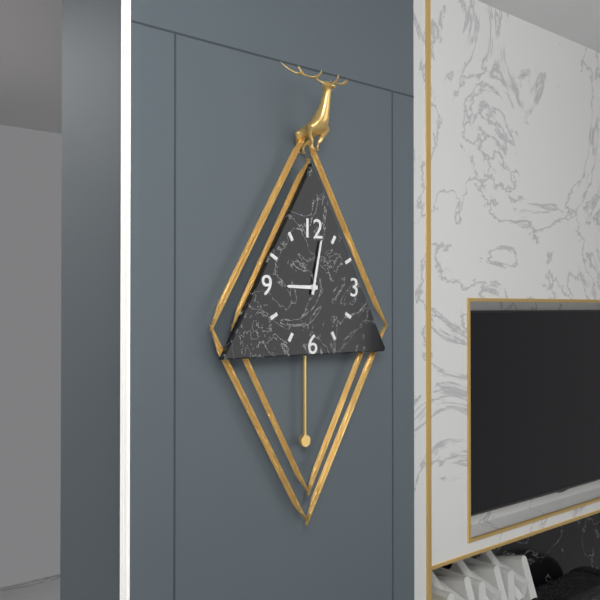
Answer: 9.02
